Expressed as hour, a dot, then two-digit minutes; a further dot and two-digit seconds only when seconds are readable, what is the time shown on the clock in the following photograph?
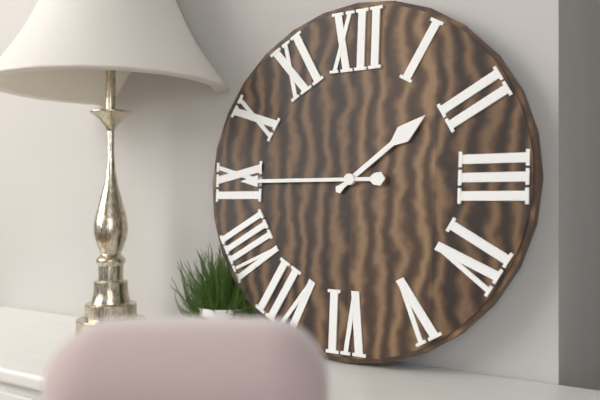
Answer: 1.45
